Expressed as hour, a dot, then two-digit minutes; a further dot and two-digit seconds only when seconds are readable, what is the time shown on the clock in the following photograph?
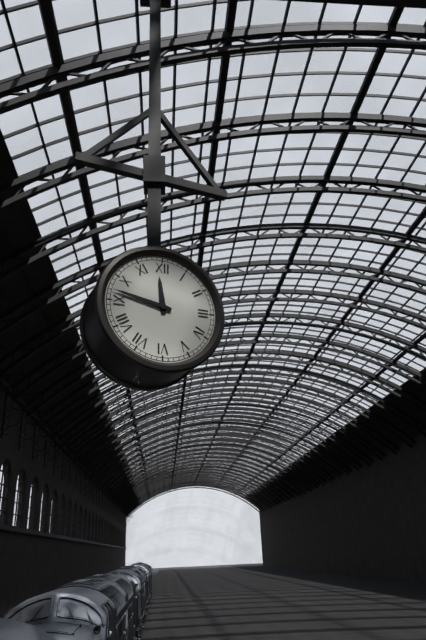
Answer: 11.47
